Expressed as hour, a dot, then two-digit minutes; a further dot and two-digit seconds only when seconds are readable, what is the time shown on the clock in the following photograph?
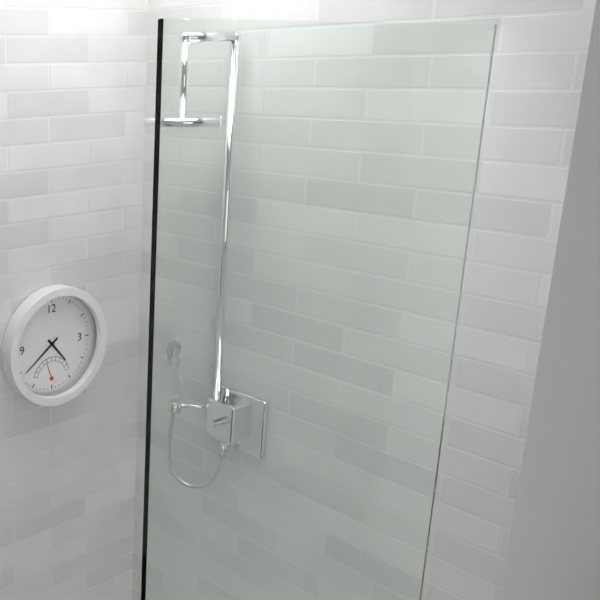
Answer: 4.39
